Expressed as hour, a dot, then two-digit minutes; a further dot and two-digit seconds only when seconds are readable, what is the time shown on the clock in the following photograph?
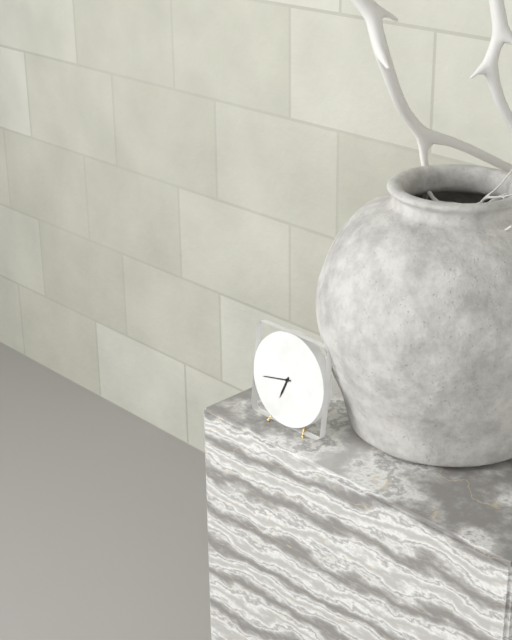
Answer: 6.43
